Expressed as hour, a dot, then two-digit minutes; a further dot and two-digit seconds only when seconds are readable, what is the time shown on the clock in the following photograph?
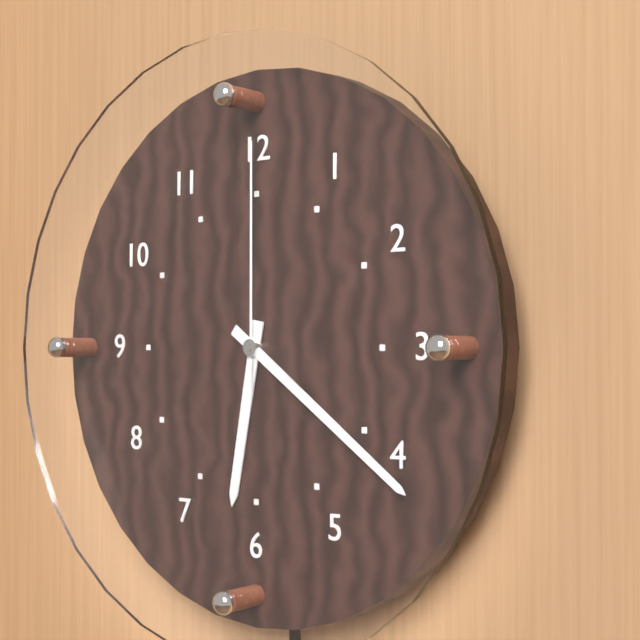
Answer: 6.21.00
